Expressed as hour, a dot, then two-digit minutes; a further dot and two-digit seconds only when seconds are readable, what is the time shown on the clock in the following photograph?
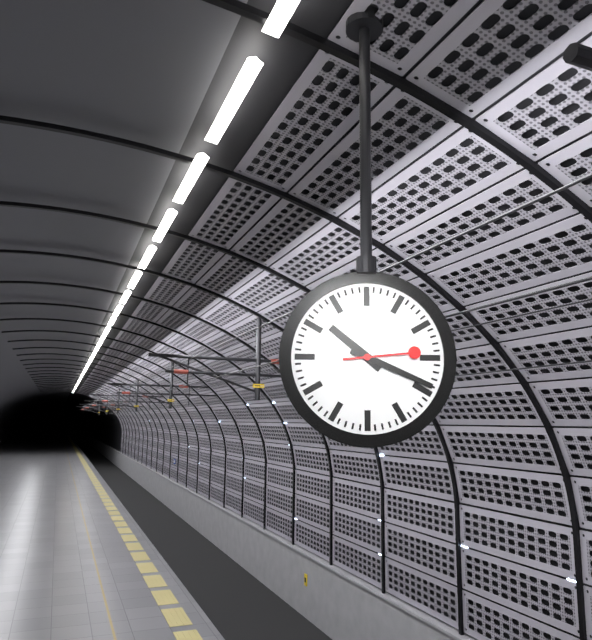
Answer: 10.19.14
